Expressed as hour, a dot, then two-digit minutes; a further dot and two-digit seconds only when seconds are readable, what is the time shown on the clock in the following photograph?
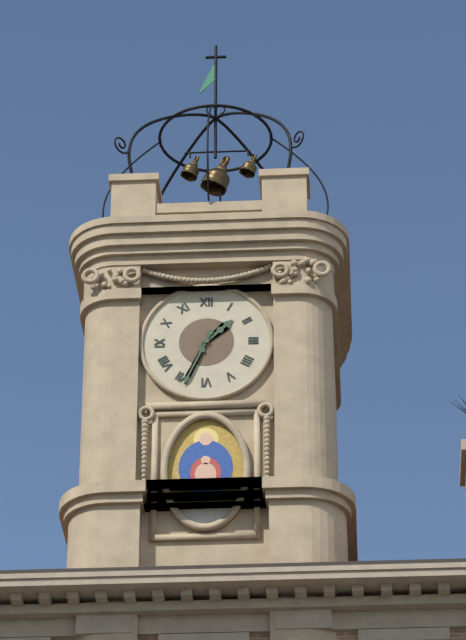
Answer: 1.34
